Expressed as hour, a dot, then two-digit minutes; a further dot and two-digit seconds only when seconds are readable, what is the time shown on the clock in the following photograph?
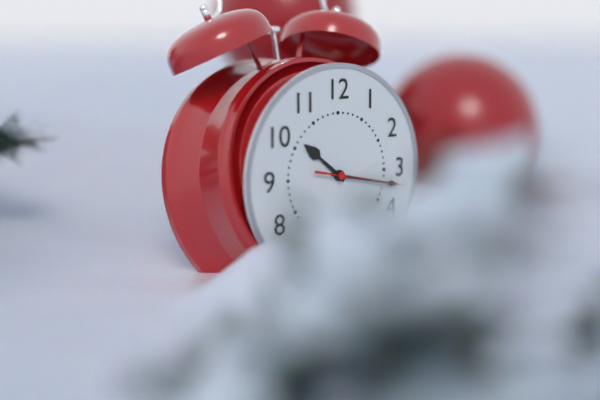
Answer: 10.17
